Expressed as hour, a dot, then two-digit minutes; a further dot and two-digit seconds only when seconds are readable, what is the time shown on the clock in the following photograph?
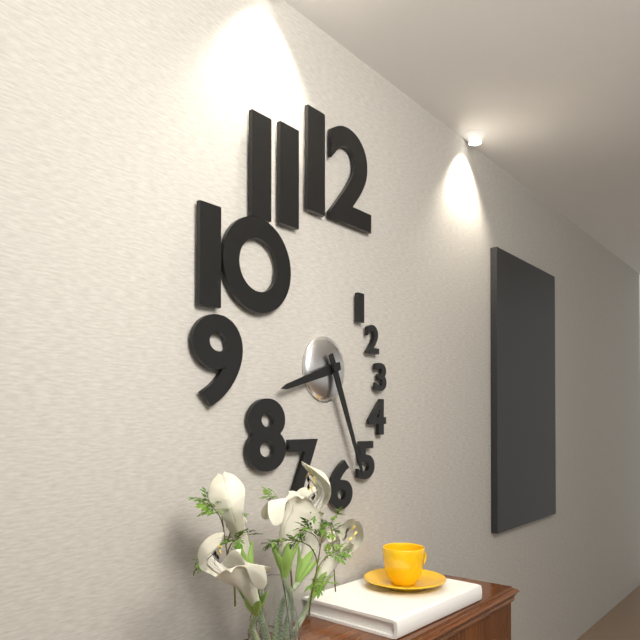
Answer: 8.26
